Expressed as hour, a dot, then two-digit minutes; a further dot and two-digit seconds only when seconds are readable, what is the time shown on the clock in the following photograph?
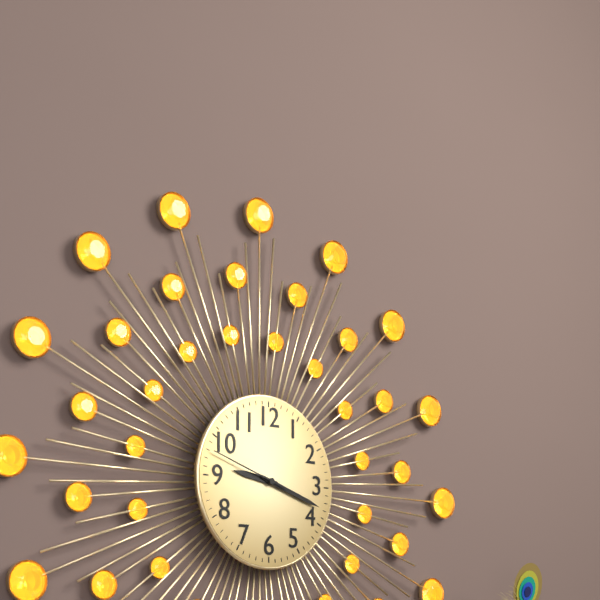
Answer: 9.18.48
